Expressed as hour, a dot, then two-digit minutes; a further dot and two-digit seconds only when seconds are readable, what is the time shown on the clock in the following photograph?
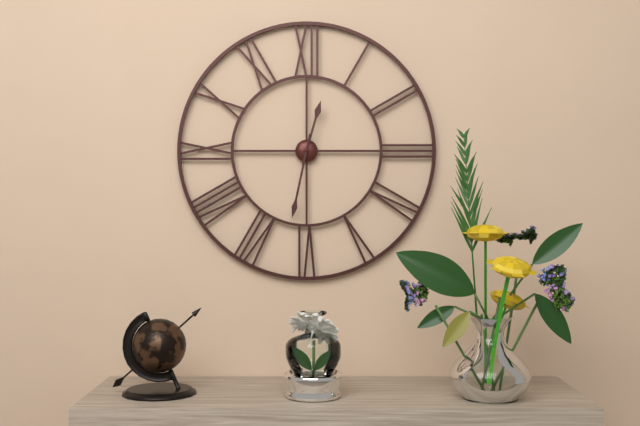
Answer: 12.32
